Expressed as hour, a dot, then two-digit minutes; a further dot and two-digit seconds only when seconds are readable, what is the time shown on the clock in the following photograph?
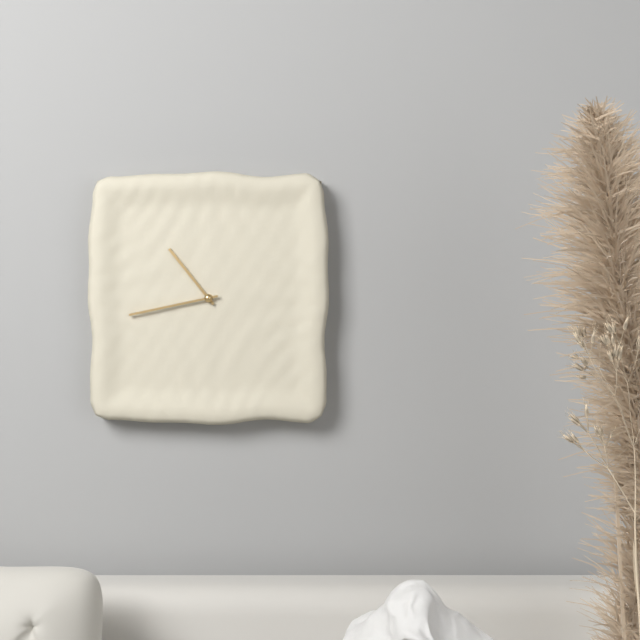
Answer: 10.43
